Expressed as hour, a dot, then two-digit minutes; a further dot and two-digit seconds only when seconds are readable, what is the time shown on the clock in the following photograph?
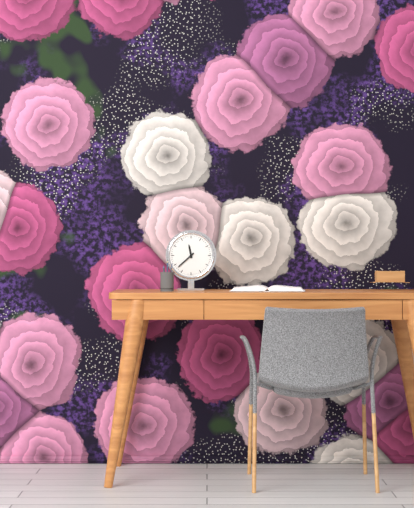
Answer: 11.38
